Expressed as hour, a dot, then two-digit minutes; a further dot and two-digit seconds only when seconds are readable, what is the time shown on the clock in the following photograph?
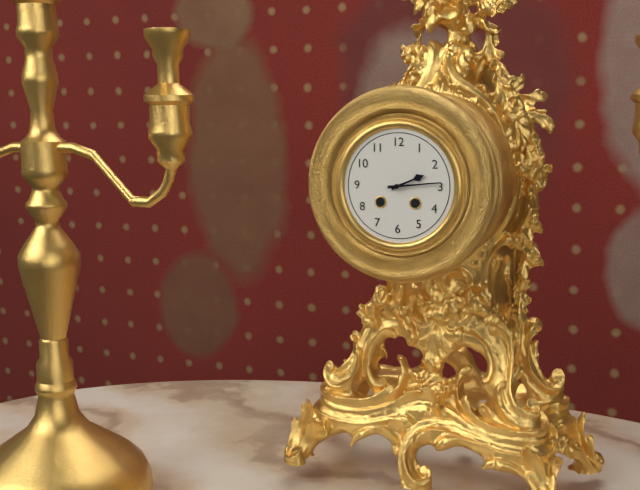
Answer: 2.14
